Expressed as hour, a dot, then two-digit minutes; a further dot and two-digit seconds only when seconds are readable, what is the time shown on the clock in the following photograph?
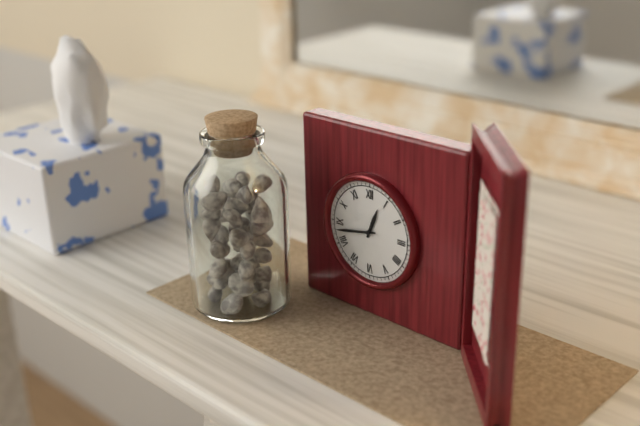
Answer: 12.43
